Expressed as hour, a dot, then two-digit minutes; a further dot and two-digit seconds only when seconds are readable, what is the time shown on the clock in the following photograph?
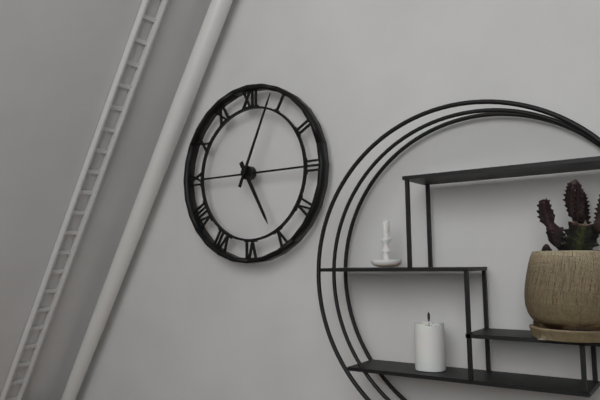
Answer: 5.04
